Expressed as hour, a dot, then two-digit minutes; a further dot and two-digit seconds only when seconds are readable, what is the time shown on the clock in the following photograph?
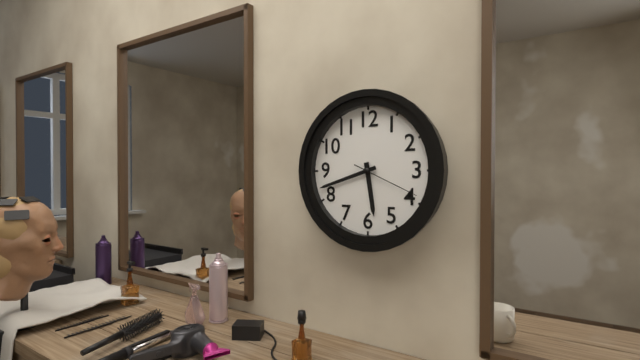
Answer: 5.42.19
